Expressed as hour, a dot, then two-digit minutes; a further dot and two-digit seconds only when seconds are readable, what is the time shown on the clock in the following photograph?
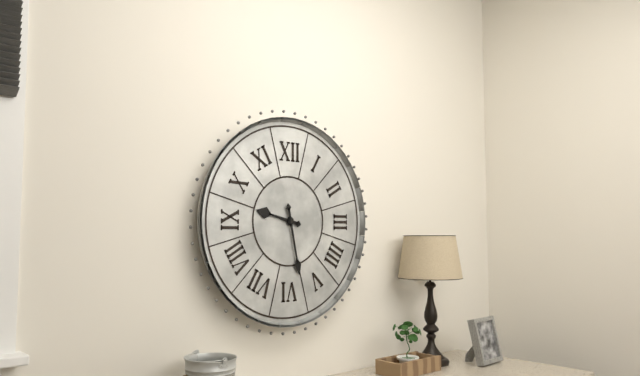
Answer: 9.28
